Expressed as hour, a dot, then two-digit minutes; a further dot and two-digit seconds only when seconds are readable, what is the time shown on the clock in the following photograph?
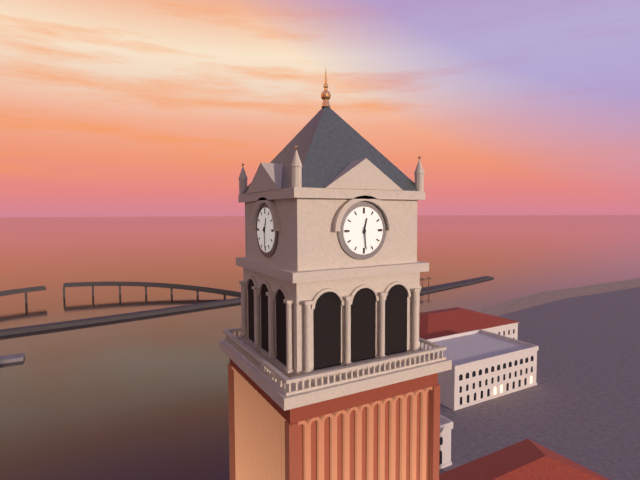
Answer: 12.29
